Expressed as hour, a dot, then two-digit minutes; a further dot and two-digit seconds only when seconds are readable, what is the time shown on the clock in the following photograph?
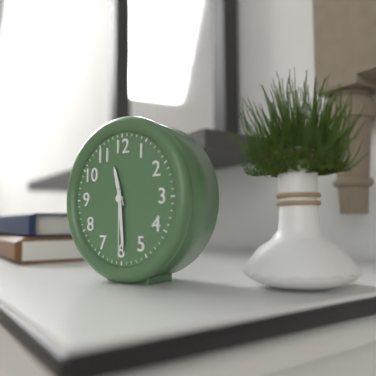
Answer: 11.29.30
